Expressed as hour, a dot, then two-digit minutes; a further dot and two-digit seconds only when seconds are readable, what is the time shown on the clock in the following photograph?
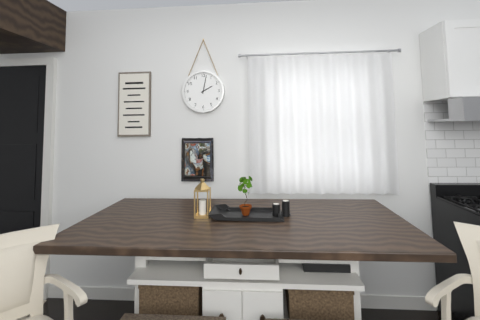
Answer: 2.02
